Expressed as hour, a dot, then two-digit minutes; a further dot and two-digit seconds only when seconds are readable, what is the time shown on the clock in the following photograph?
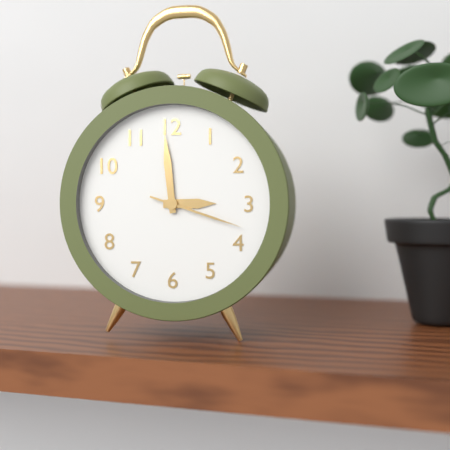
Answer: 2.59.18
